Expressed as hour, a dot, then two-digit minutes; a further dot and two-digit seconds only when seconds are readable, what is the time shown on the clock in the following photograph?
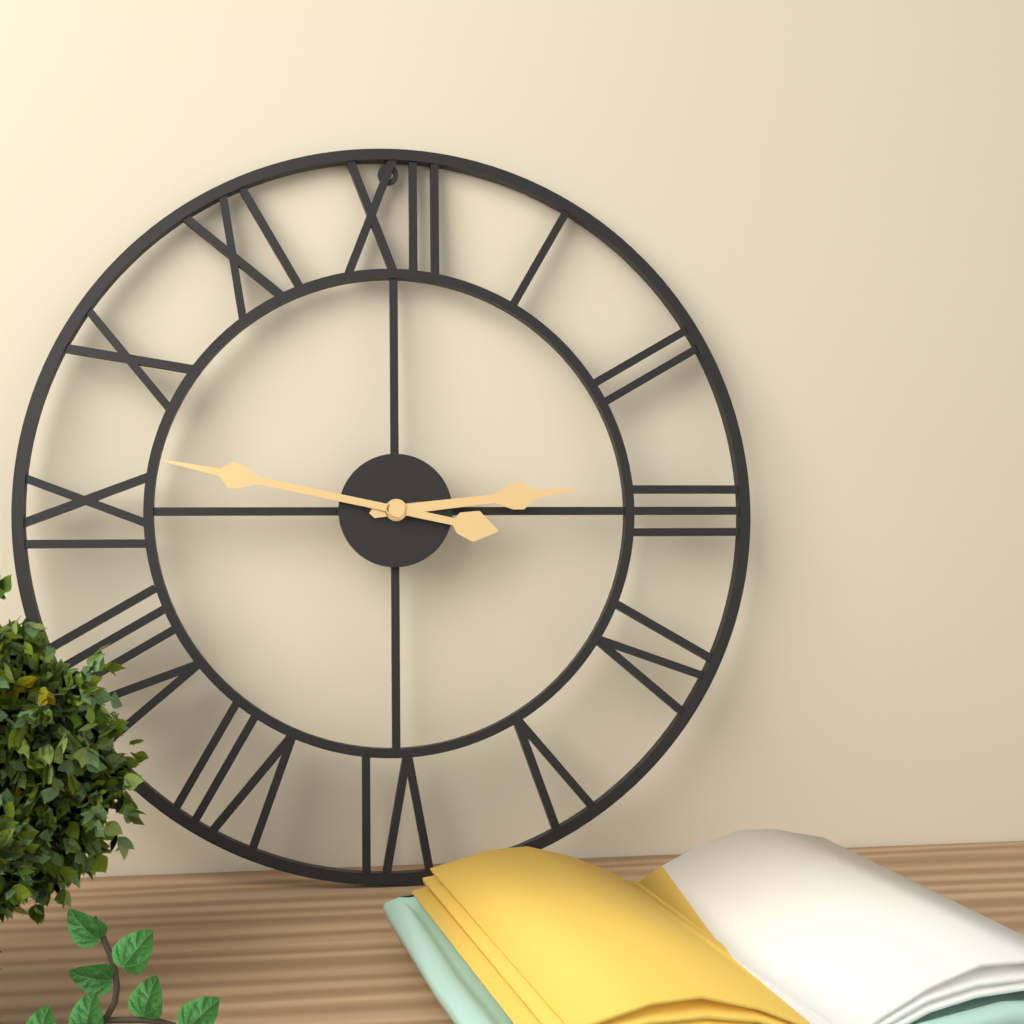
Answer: 2.47
